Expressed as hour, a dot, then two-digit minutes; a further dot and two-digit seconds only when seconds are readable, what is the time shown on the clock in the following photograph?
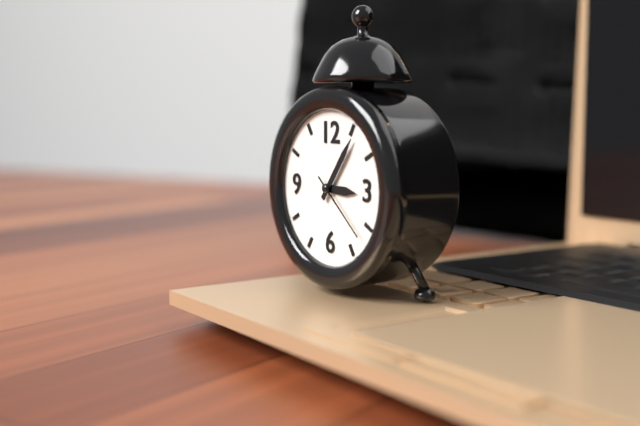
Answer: 3.06.22
